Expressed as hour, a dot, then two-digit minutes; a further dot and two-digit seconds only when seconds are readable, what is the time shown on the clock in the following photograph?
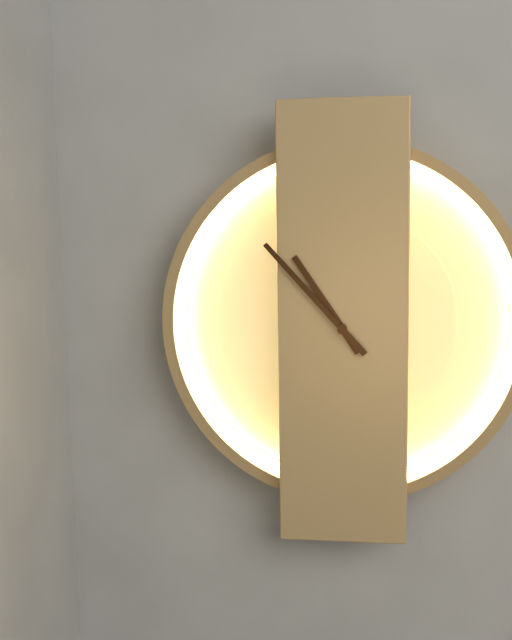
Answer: 10.53
